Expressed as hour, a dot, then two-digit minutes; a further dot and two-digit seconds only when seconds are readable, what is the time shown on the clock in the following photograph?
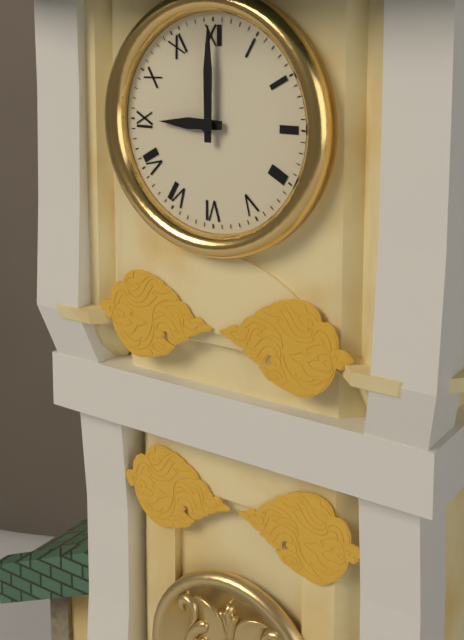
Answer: 9.00
